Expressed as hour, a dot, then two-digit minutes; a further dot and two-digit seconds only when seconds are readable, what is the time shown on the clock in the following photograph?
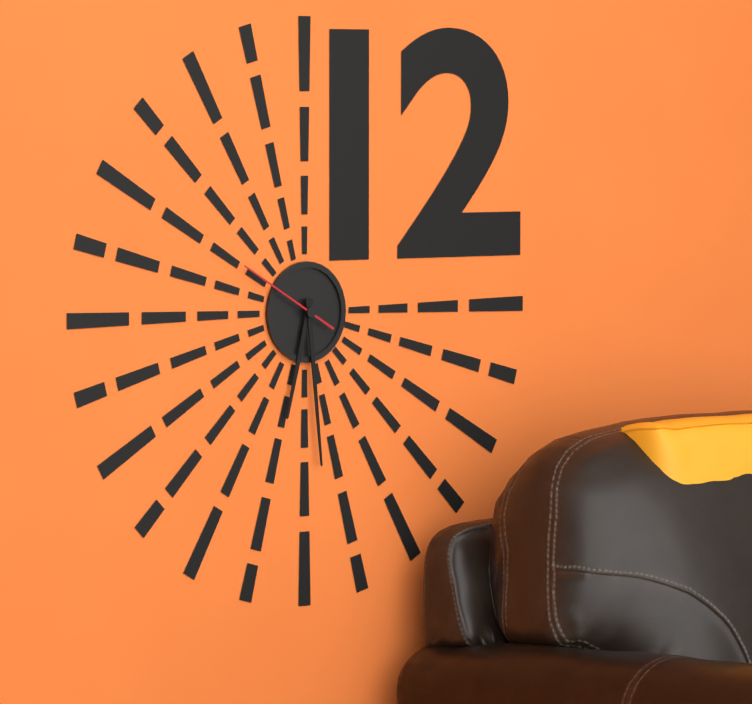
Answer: 6.29.50
